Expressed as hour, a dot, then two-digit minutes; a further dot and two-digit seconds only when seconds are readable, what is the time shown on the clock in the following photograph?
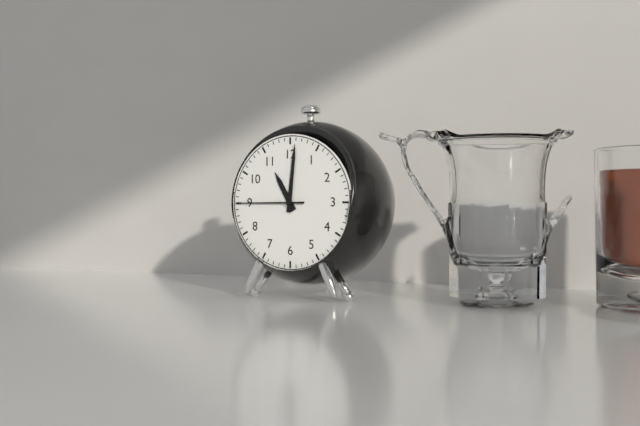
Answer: 11.01.45
